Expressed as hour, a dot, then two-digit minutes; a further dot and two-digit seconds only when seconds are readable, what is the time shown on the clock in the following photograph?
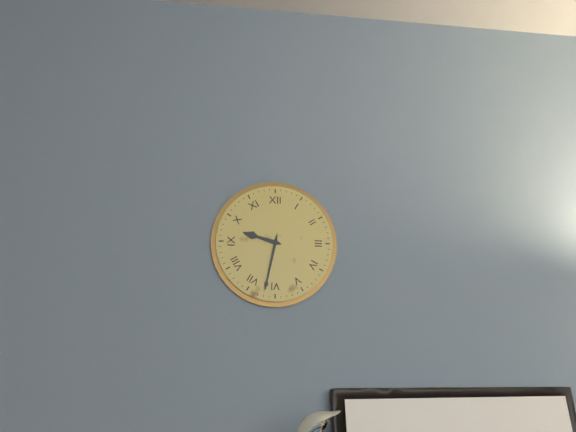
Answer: 9.32
